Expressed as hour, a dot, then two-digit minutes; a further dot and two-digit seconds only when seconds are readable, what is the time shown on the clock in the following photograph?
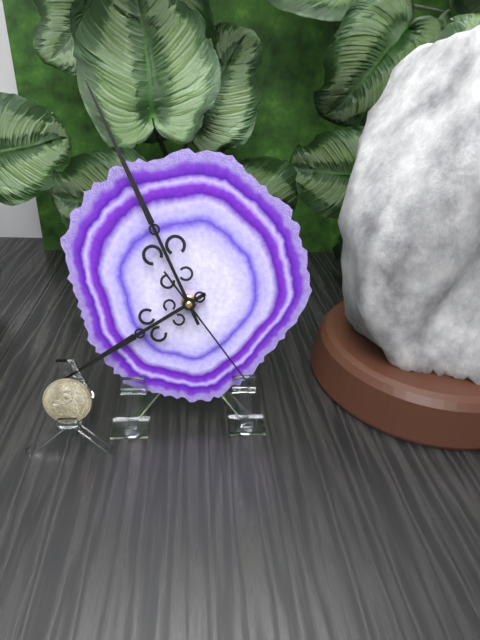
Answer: 7.56.24
